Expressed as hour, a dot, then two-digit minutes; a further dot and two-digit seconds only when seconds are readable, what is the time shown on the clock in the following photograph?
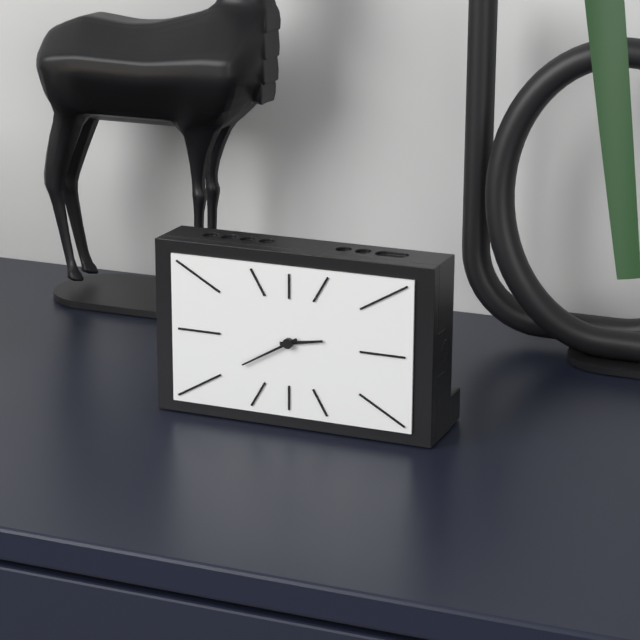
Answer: 2.40
